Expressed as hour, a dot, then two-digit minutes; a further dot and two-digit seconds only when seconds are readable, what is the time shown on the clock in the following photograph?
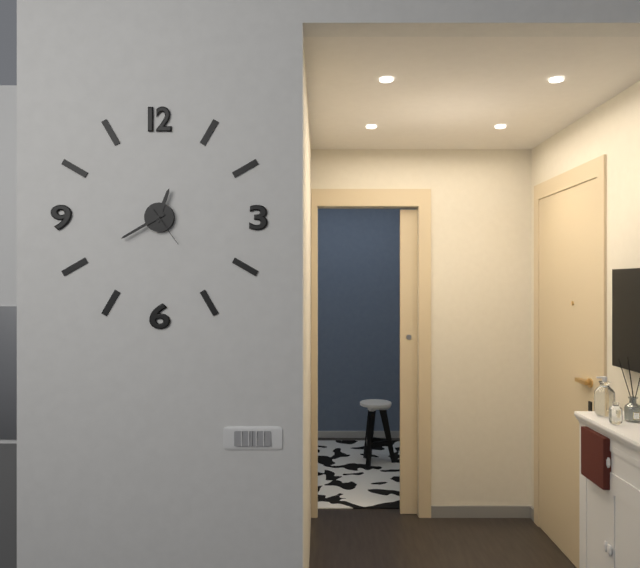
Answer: 12.40
